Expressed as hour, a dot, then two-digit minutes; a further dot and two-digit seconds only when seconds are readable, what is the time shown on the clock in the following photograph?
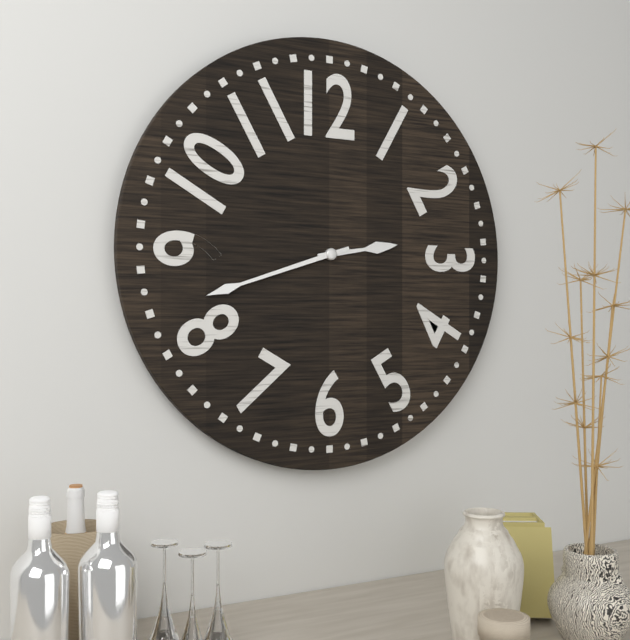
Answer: 2.42
